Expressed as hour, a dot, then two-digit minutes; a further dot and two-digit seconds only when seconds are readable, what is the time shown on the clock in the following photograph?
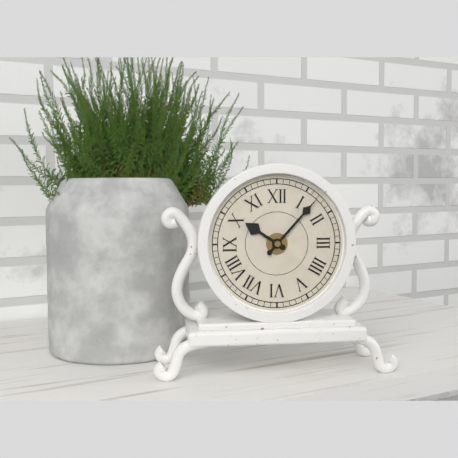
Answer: 10.07
